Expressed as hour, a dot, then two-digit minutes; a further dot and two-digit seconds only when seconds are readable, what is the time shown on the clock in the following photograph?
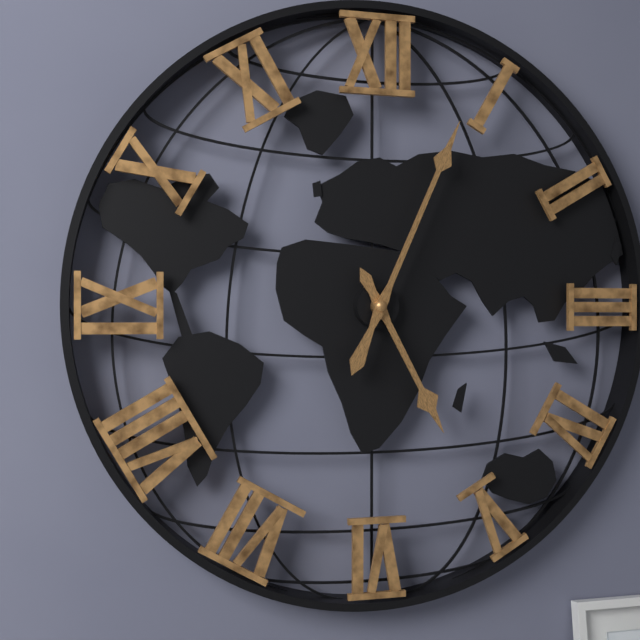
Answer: 5.04
